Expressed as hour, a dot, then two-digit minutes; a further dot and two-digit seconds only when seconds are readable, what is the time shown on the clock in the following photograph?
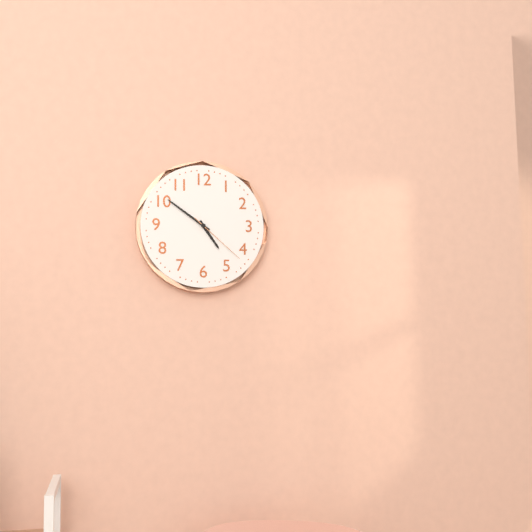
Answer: 4.51.22
